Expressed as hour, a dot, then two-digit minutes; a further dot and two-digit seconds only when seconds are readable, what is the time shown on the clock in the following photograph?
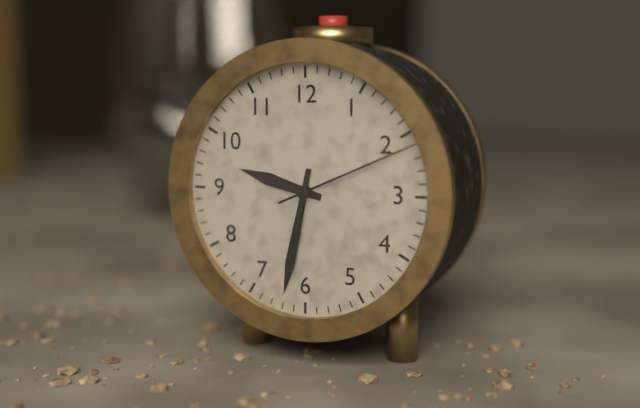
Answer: 9.32.11
